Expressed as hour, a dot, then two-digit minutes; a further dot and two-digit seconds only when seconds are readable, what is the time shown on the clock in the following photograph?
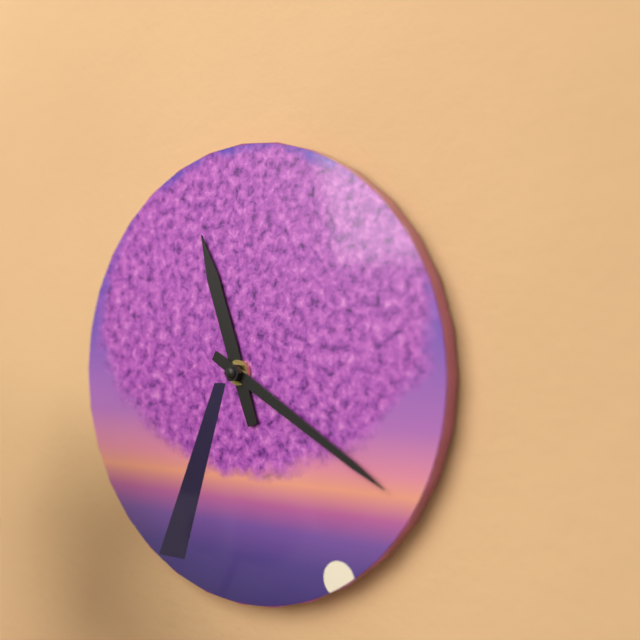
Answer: 11.20
